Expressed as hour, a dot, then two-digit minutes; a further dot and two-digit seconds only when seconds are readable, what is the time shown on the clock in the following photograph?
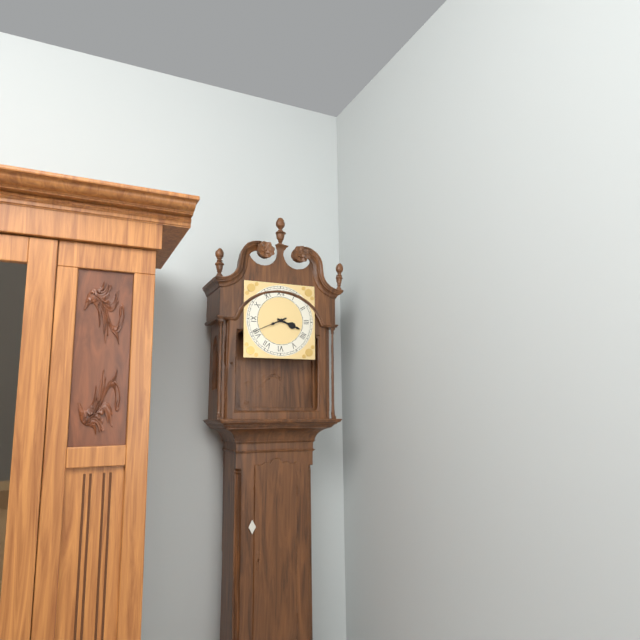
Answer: 3.41
